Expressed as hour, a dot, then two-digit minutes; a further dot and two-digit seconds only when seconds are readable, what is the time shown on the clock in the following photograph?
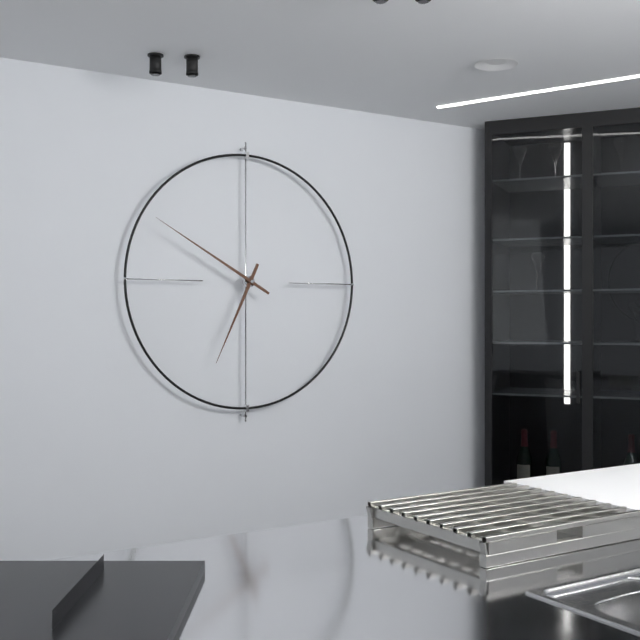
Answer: 6.50
